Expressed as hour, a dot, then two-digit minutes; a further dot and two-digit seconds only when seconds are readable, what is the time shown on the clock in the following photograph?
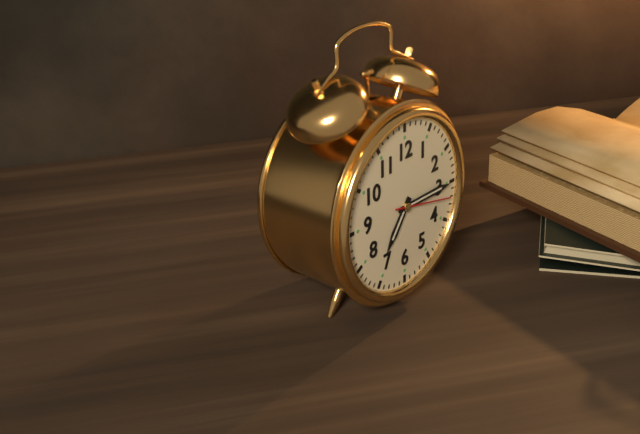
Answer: 7.15.17
